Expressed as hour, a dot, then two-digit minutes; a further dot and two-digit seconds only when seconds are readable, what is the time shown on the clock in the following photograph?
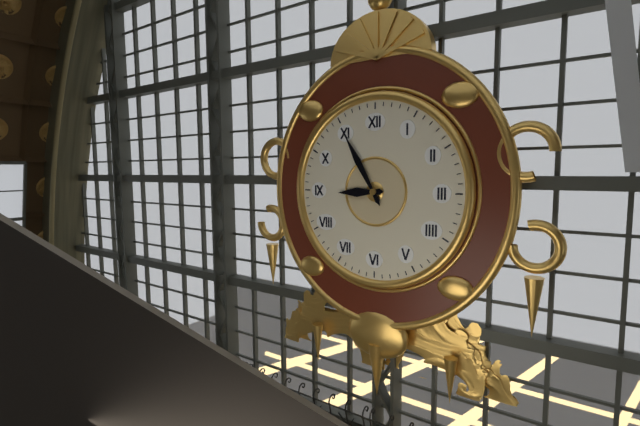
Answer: 8.55
